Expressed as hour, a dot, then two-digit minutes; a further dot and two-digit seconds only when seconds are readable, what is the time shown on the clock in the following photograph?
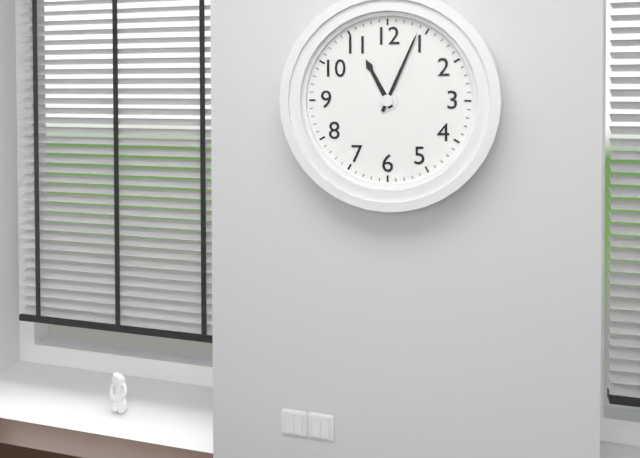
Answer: 11.04
